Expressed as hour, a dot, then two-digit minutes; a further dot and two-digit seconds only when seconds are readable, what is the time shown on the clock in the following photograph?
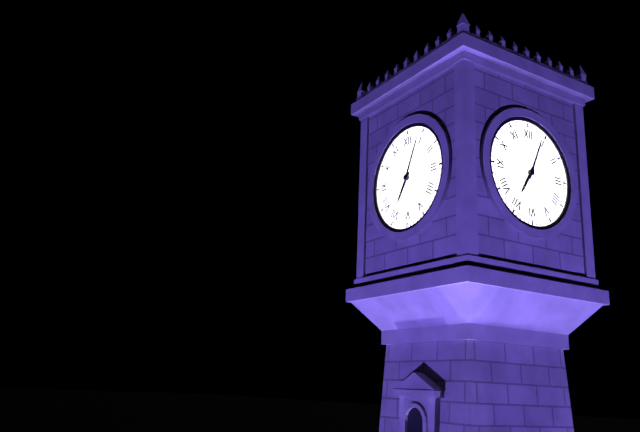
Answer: 7.04
